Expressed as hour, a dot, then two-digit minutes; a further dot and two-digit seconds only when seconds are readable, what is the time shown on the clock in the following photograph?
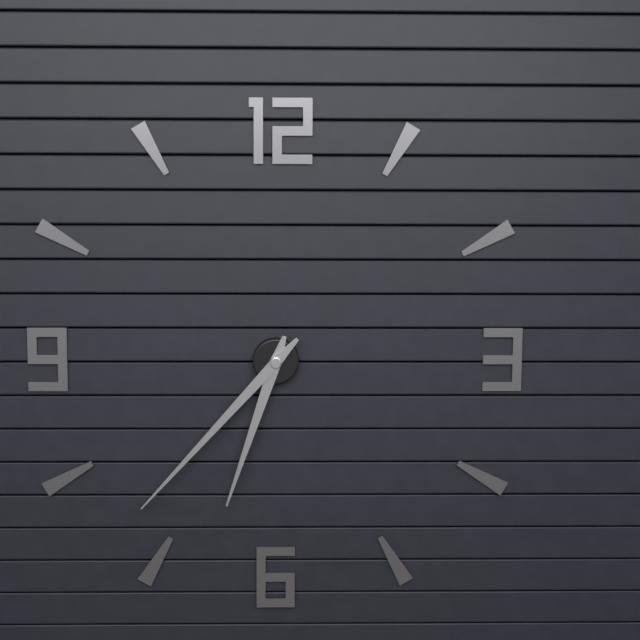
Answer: 6.37
